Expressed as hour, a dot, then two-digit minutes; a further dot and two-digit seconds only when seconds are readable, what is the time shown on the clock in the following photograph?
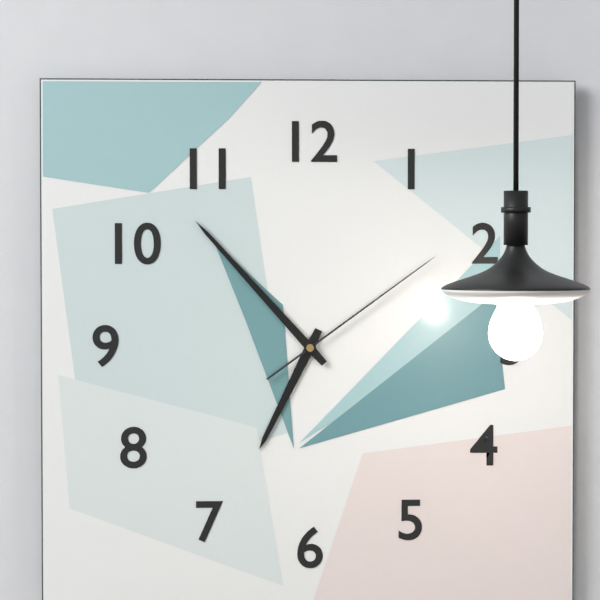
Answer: 6.53.09
